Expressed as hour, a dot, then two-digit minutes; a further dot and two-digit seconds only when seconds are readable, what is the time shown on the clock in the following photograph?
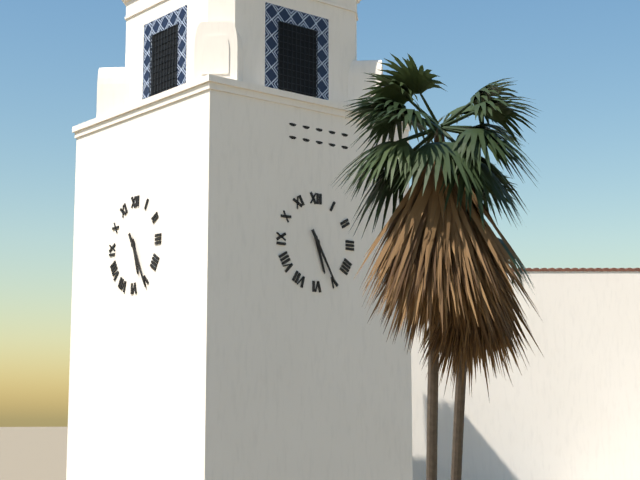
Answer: 5.25
